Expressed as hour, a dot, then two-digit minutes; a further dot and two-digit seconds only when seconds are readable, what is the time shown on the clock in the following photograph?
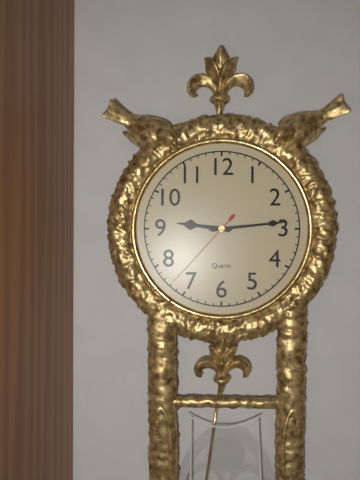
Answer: 9.14.37
